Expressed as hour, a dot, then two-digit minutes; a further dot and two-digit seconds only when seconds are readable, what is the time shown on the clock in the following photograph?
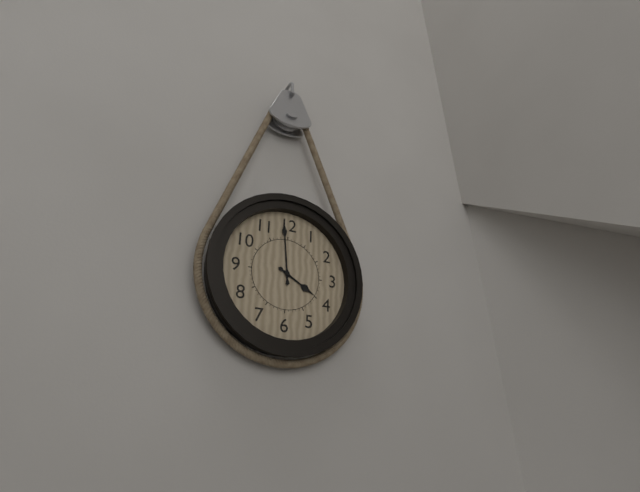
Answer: 3.59
